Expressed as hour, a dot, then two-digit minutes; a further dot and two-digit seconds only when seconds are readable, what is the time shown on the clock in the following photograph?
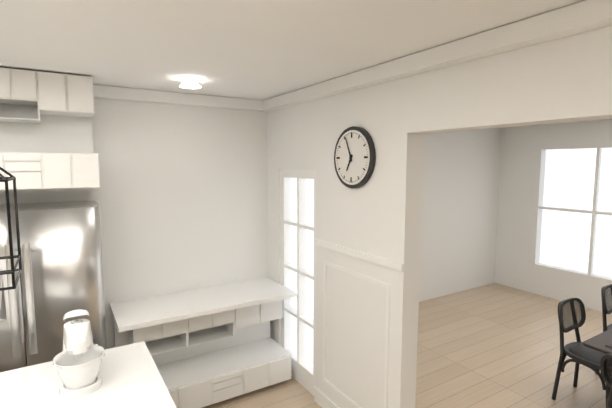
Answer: 6.56
